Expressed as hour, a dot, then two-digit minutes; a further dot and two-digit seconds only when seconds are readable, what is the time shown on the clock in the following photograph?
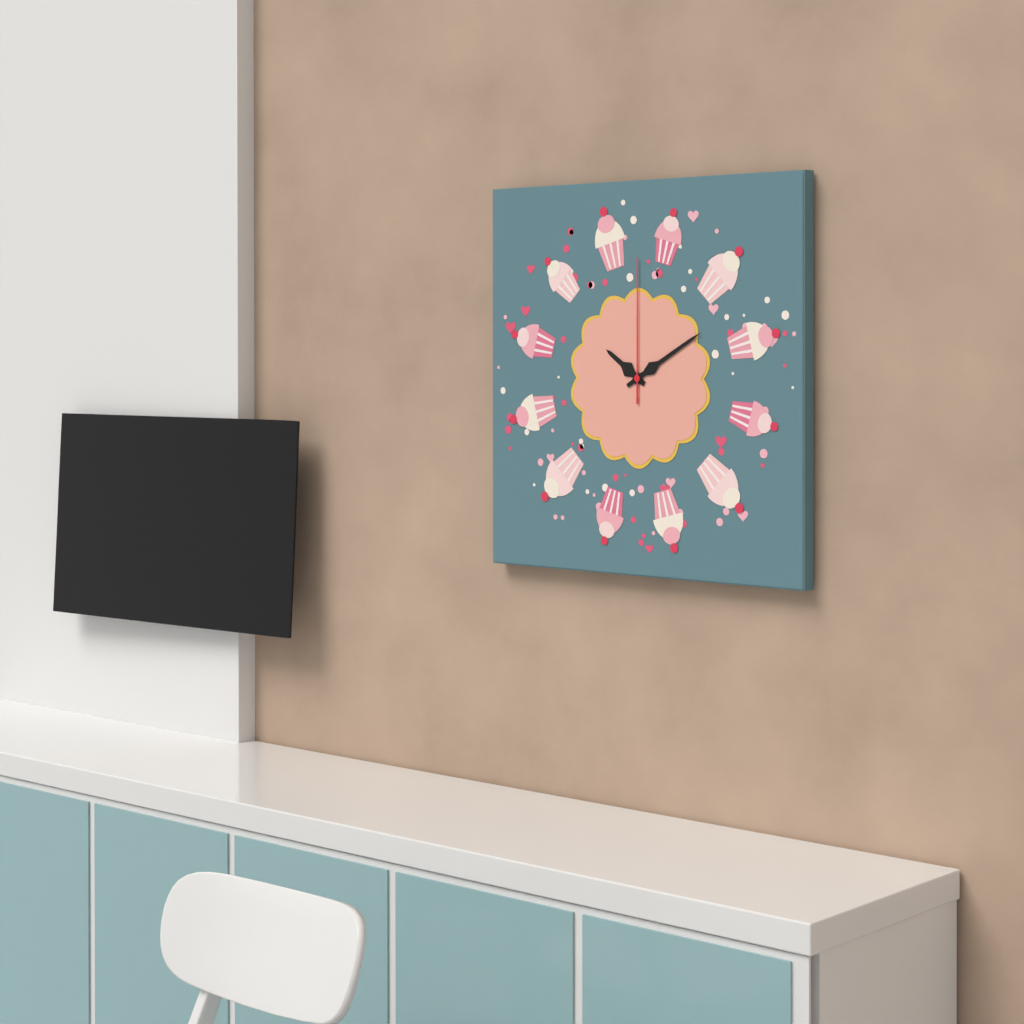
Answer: 10.10.00
